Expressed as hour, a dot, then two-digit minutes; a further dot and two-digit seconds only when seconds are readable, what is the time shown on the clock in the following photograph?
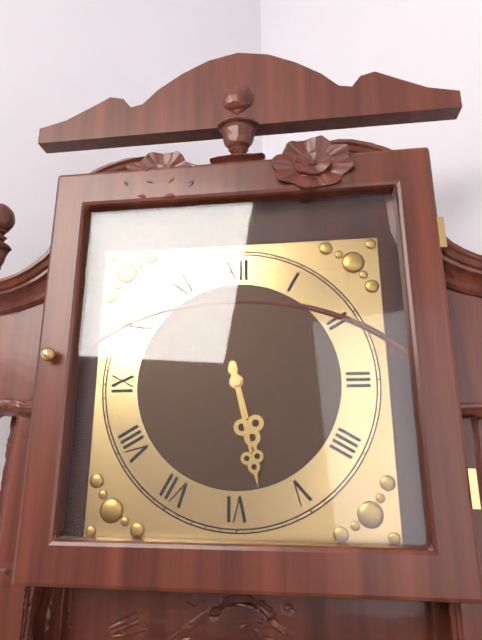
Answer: 5.28
